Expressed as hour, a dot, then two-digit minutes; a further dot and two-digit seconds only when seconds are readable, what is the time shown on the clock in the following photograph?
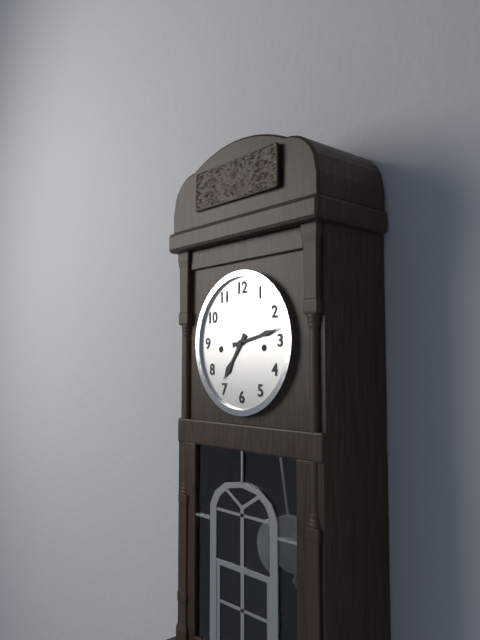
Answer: 7.13
